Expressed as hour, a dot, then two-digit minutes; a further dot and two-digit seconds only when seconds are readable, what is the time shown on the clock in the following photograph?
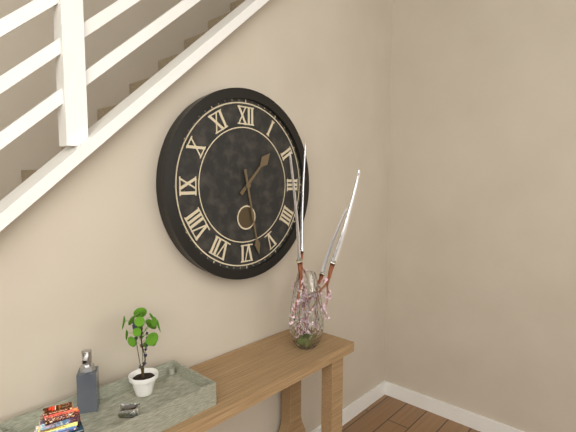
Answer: 1.28
